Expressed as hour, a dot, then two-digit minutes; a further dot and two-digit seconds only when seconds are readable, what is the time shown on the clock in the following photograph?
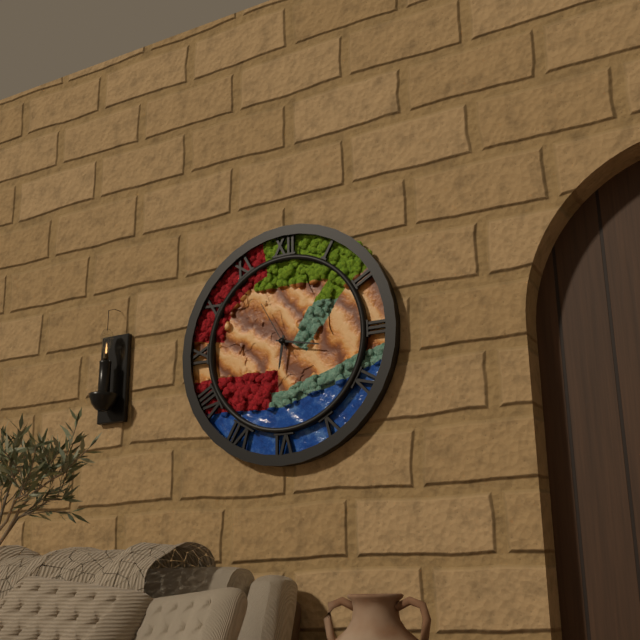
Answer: 6.17.55
